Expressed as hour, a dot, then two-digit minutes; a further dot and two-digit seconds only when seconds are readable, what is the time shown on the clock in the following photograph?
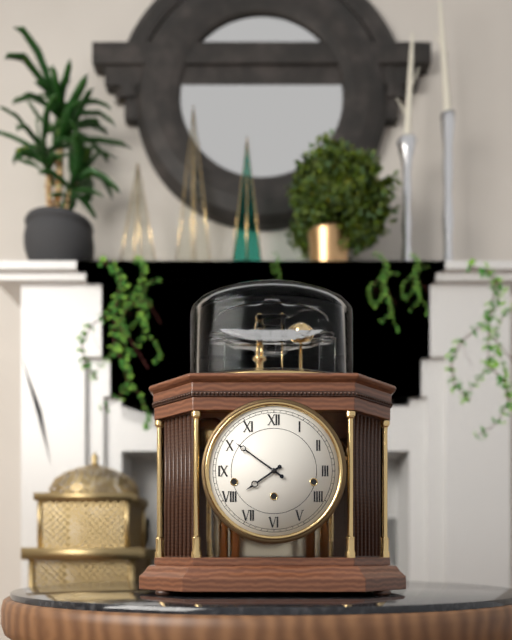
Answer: 7.51
